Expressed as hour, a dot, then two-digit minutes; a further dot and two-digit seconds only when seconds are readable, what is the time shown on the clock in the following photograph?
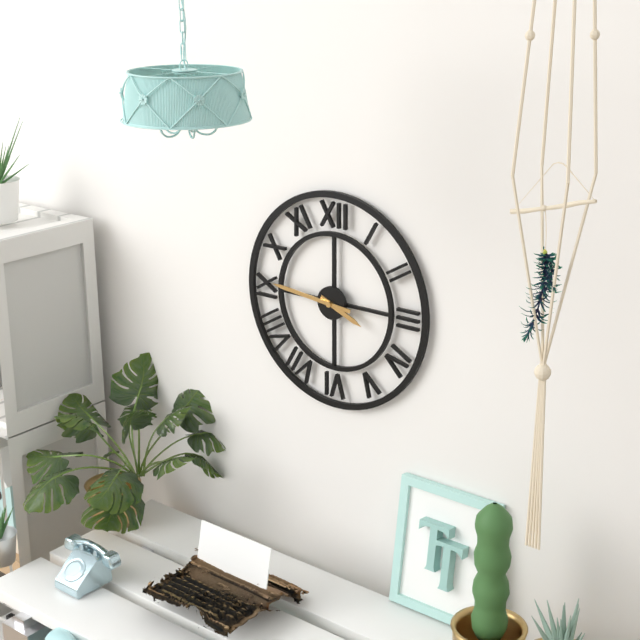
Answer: 3.46
